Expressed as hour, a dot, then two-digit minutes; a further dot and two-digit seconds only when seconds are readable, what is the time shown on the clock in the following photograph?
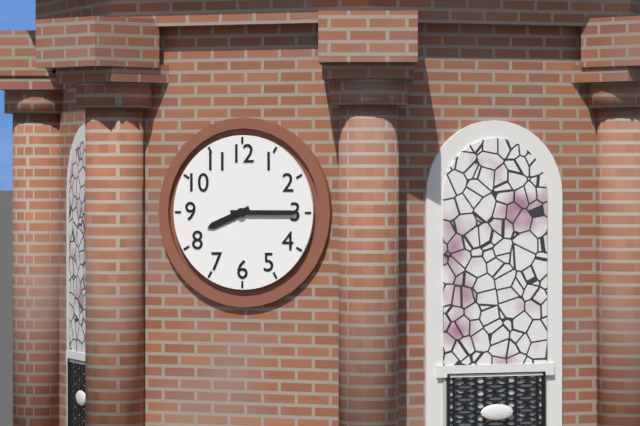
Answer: 8.15
